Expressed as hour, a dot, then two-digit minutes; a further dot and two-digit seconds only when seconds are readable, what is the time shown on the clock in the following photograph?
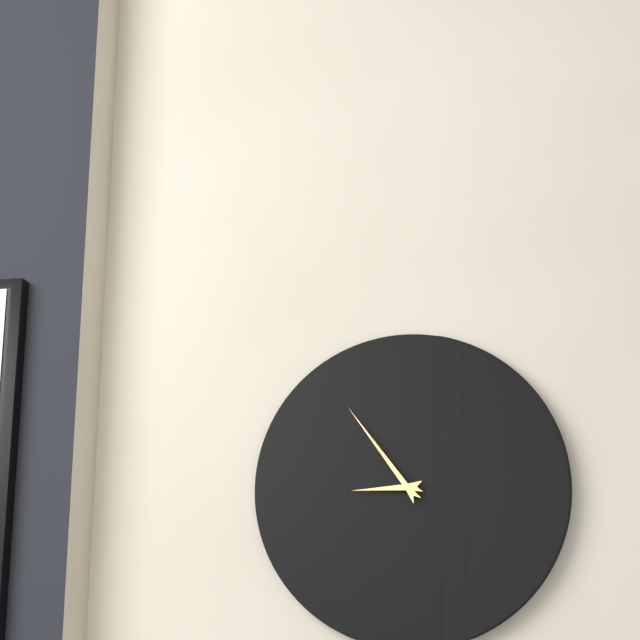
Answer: 8.54
